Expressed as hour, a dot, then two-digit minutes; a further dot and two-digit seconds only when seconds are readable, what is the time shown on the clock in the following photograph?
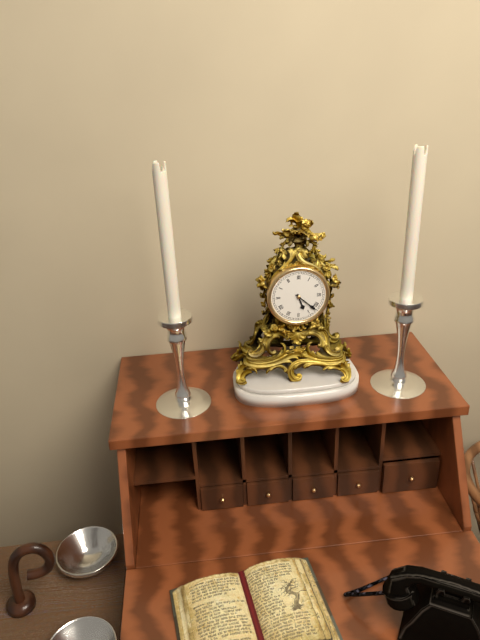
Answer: 5.22
